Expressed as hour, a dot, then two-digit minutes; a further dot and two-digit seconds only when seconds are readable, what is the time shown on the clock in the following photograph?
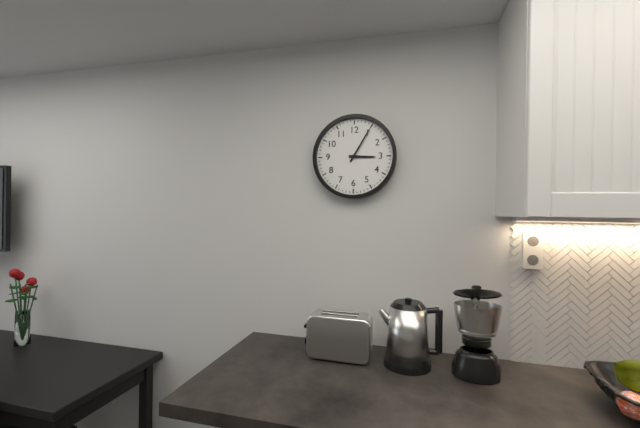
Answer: 3.05
